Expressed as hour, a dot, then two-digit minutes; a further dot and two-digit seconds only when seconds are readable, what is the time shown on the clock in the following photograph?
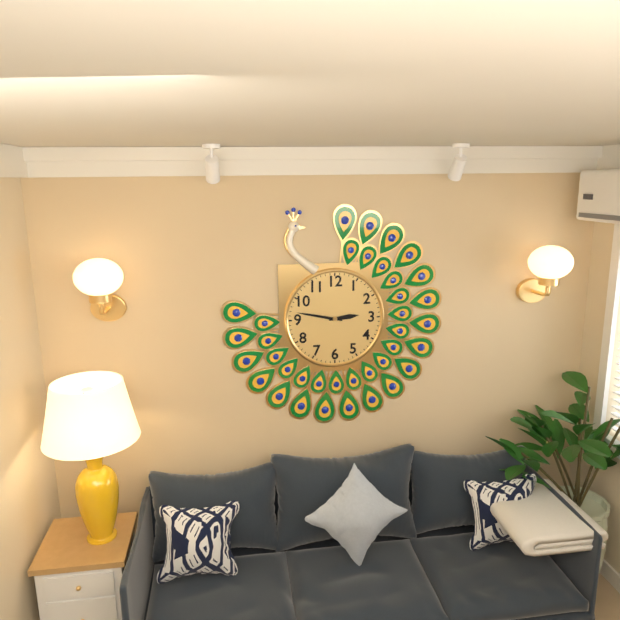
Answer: 2.47
